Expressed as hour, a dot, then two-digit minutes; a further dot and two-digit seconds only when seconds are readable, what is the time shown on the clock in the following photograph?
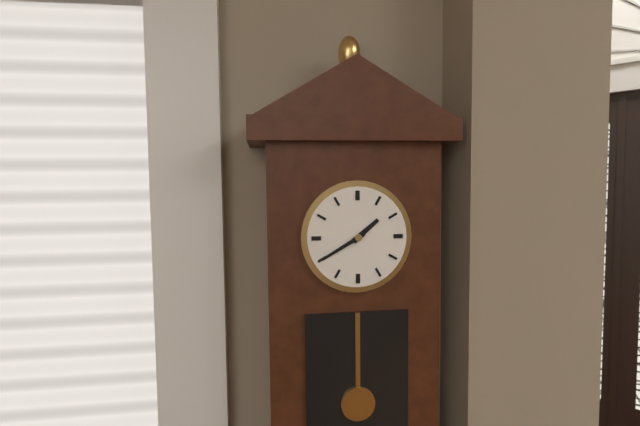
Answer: 1.40
